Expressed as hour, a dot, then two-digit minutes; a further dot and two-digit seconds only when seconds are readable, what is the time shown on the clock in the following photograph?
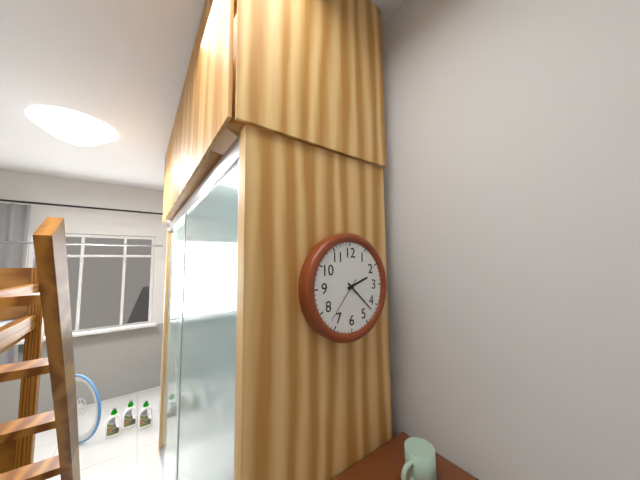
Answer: 2.22.37
